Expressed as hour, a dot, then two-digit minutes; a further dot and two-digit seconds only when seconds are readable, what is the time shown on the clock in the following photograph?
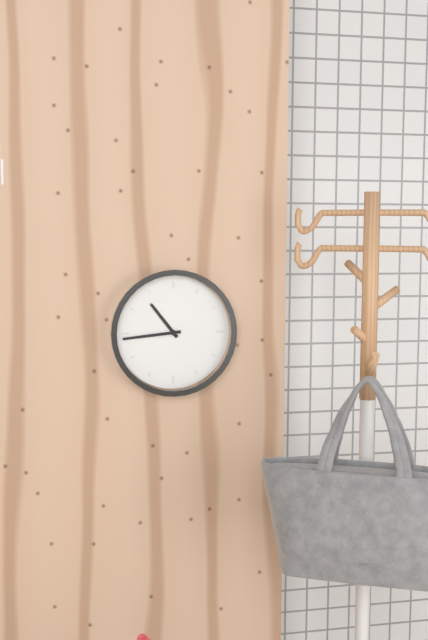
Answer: 10.44
